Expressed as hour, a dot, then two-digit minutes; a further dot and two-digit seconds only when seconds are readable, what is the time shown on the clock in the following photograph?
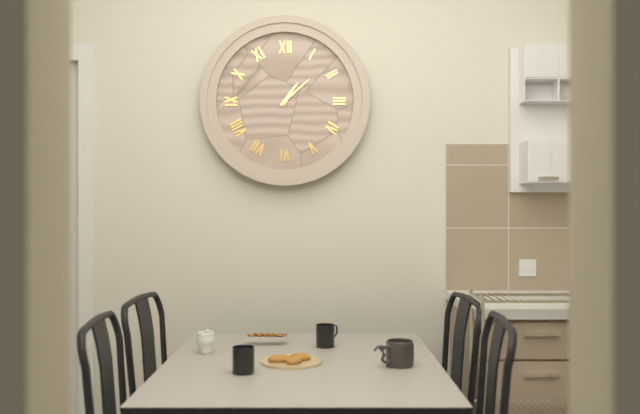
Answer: 1.08
